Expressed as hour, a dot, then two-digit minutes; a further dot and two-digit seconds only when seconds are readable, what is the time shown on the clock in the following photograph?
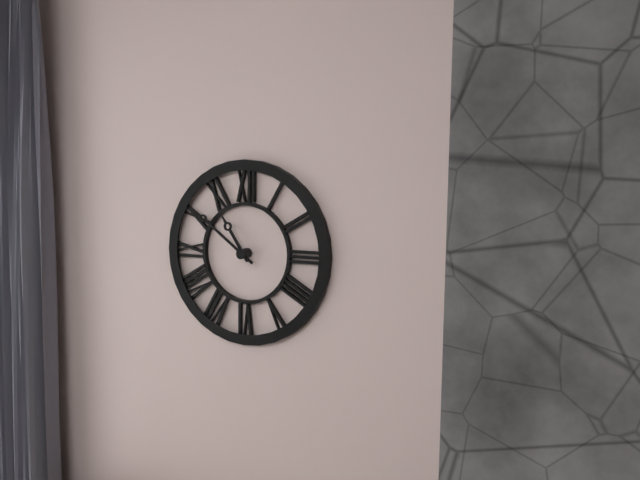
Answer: 10.51
